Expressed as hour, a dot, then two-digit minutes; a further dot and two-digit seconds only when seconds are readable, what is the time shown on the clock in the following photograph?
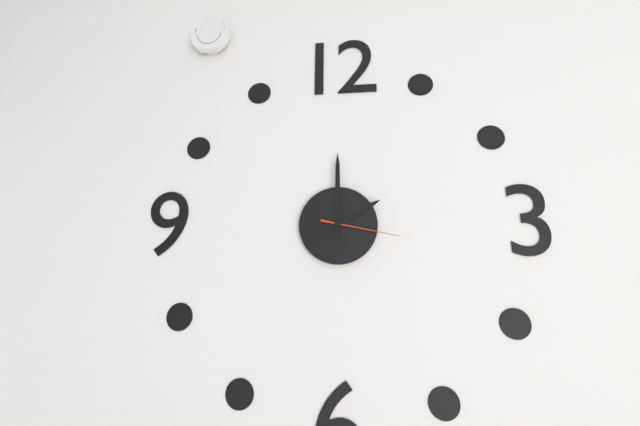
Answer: 2.00.17
